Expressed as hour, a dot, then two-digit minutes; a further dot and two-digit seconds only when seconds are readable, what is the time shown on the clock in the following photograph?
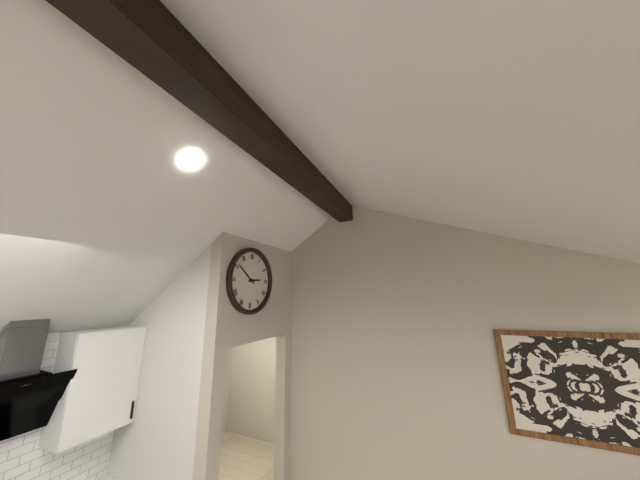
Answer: 2.51
